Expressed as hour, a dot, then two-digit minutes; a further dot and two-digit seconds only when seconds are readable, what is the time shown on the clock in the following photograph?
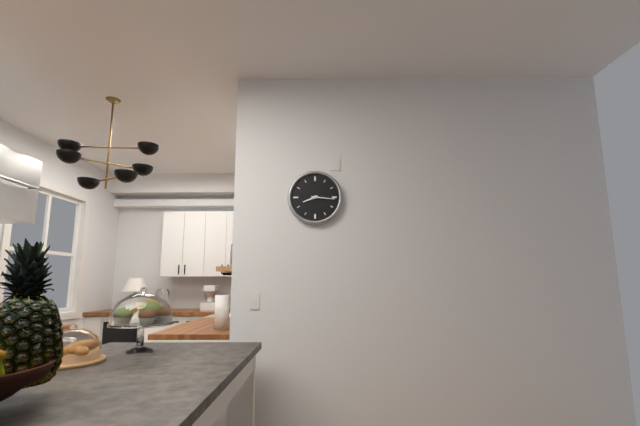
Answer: 8.16
